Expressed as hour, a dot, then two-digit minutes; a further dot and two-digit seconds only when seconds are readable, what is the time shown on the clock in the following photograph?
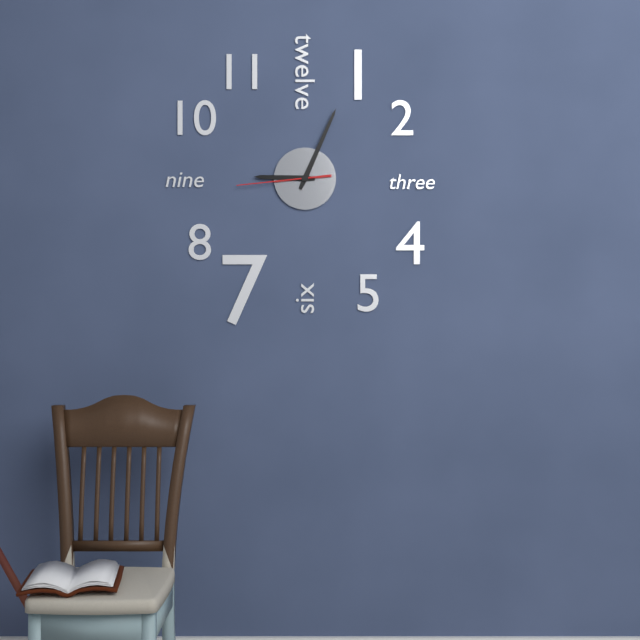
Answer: 9.04.44
